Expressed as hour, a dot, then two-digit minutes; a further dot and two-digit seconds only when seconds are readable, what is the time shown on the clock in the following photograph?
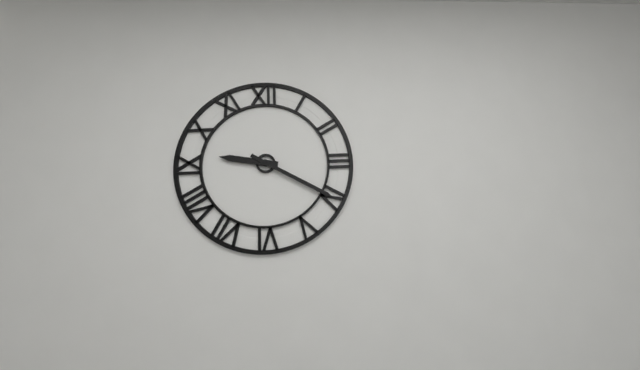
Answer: 9.20
